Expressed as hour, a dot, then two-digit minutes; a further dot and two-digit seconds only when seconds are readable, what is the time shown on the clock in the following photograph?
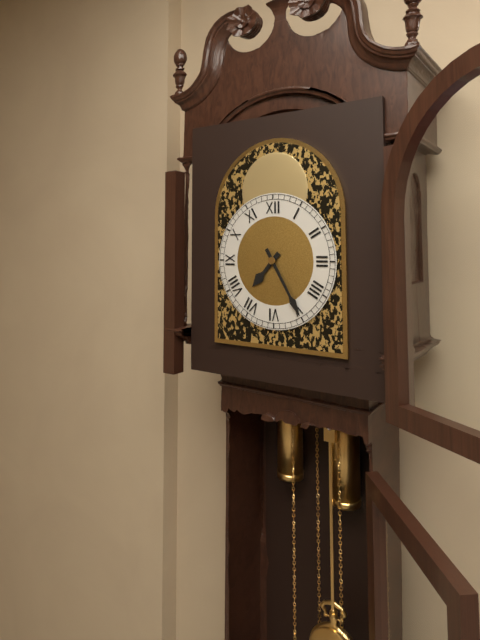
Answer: 7.25
